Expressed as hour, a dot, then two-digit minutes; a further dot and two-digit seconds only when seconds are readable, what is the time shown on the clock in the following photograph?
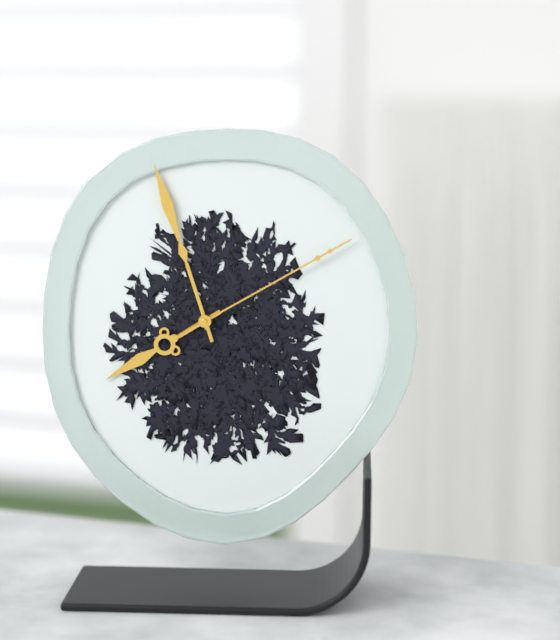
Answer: 7.57.10
